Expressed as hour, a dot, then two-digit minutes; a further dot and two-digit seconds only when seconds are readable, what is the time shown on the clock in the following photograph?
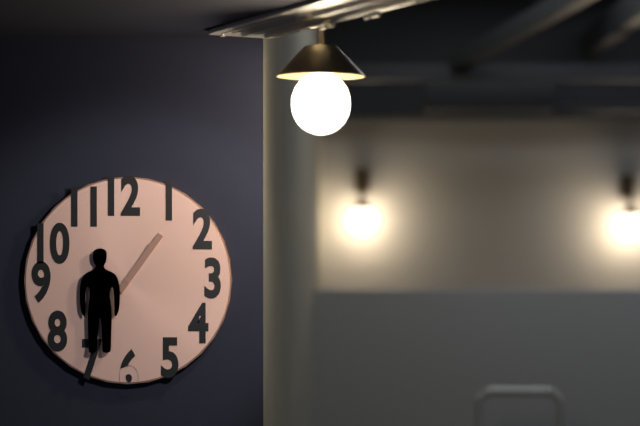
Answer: 1.06
